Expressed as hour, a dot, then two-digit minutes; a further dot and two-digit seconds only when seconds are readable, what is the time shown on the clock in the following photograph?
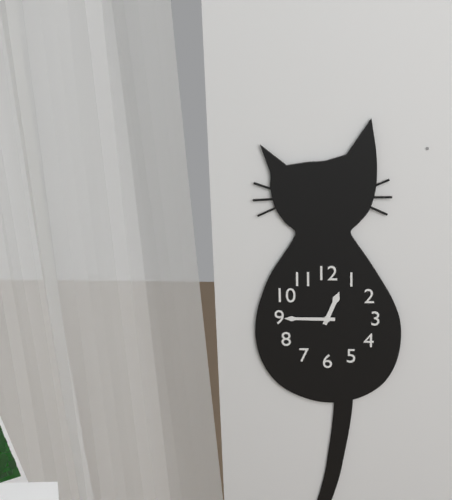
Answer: 12.45
